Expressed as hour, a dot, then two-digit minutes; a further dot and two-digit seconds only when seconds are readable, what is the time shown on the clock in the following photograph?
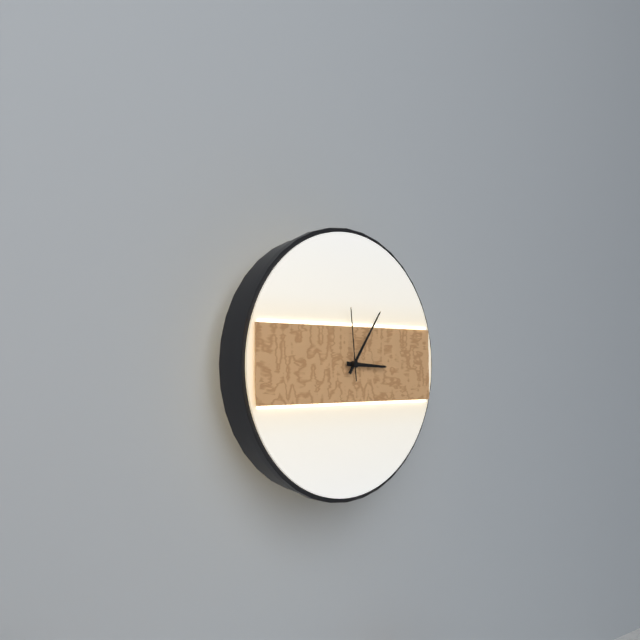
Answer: 3.06.59
